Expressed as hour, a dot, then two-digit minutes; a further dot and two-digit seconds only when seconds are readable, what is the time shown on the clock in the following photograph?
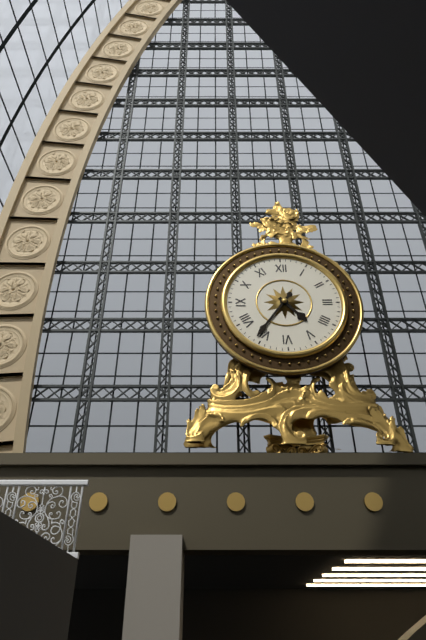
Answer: 4.36
